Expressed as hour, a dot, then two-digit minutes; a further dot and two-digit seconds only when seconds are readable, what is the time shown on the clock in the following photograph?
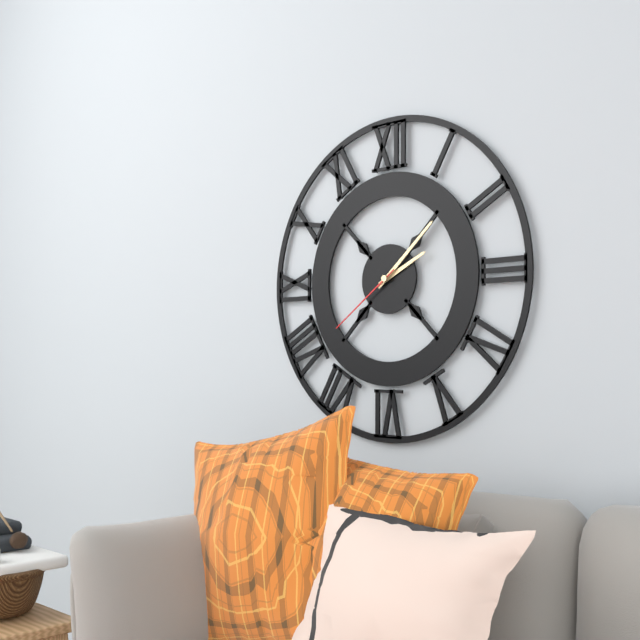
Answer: 2.08.39
